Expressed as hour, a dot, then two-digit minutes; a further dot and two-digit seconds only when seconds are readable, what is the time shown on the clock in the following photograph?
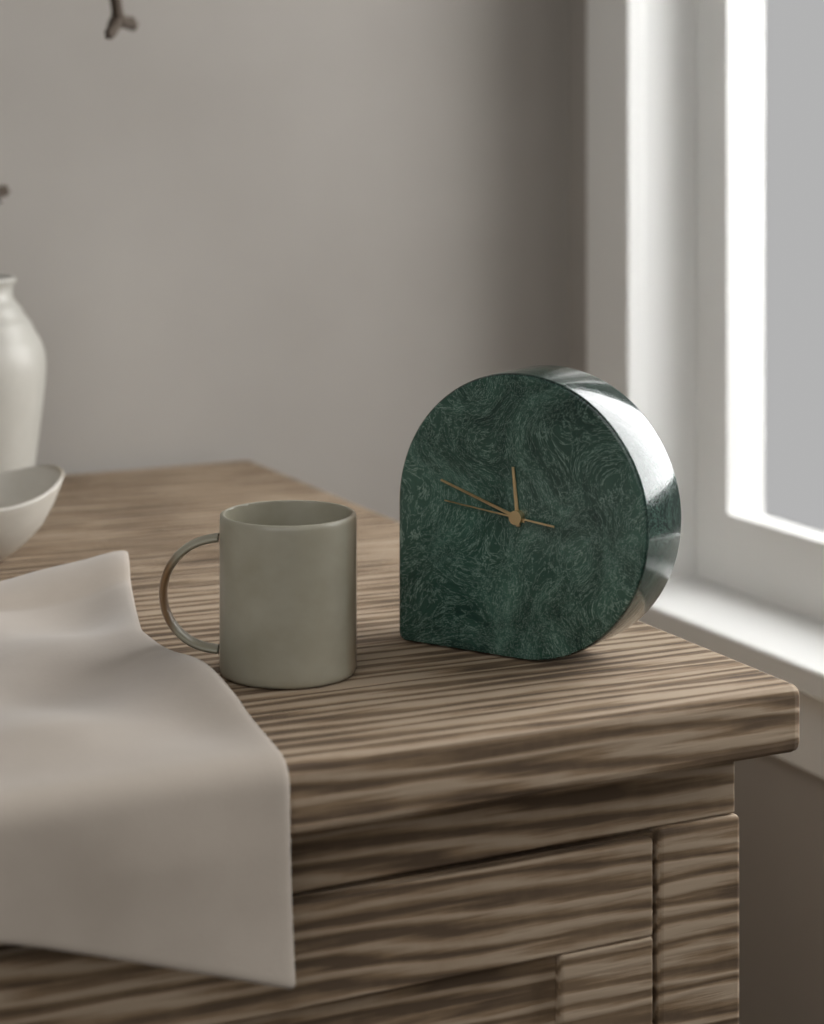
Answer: 11.48.46
